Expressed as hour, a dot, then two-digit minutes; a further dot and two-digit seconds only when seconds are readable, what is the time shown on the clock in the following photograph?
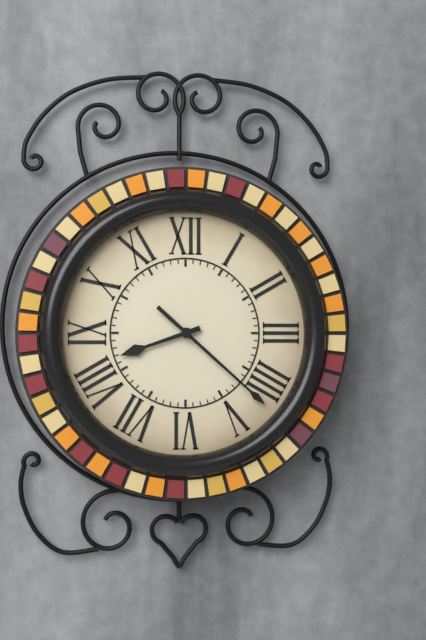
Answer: 8.22
